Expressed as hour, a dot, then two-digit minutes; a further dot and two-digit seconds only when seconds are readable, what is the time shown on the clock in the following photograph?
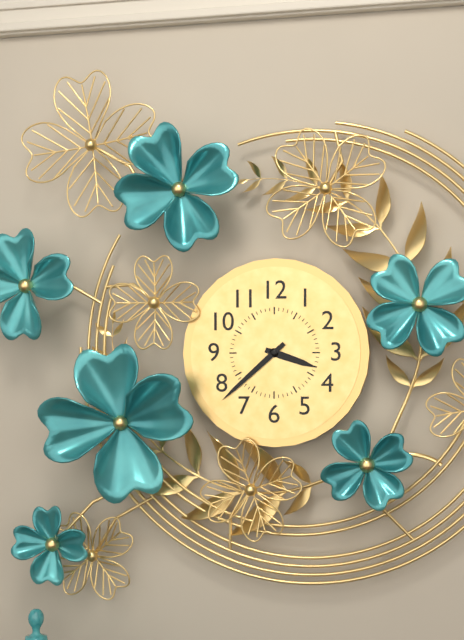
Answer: 3.38
